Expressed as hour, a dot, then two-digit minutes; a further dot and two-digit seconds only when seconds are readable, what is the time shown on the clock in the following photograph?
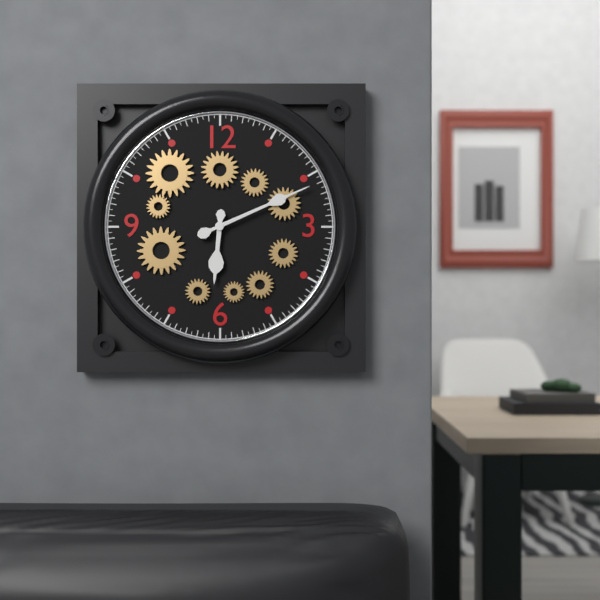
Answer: 6.11
